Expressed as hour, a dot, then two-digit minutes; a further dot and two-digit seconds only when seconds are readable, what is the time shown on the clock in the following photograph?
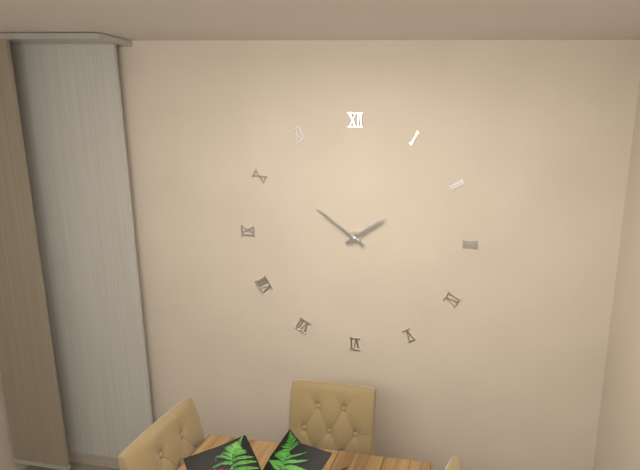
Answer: 1.51
